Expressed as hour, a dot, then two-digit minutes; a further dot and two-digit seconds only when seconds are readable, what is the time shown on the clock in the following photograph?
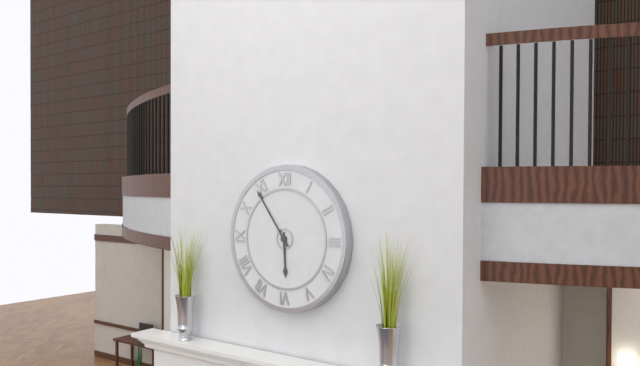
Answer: 5.54
